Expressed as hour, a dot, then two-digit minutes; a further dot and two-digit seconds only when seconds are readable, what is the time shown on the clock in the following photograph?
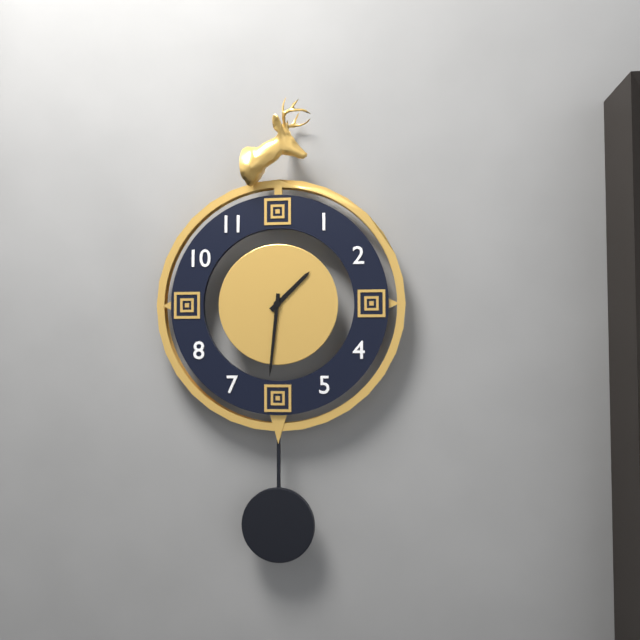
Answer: 1.31
